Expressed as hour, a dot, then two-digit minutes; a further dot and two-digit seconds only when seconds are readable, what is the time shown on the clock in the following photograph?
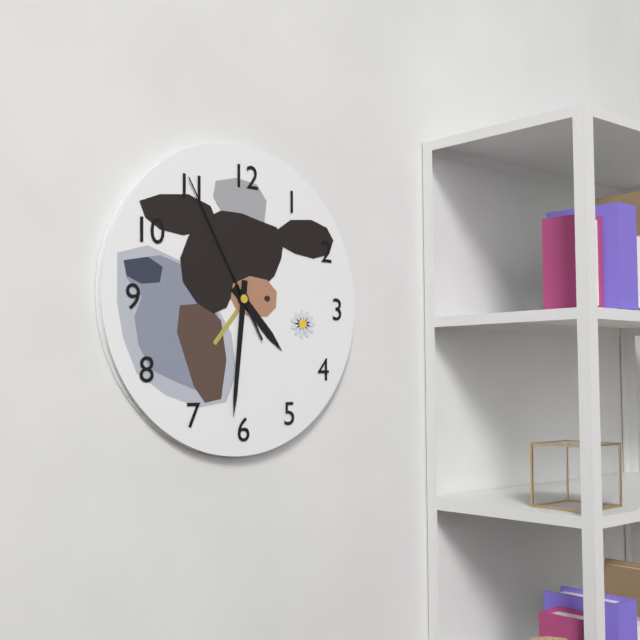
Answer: 4.31.55
